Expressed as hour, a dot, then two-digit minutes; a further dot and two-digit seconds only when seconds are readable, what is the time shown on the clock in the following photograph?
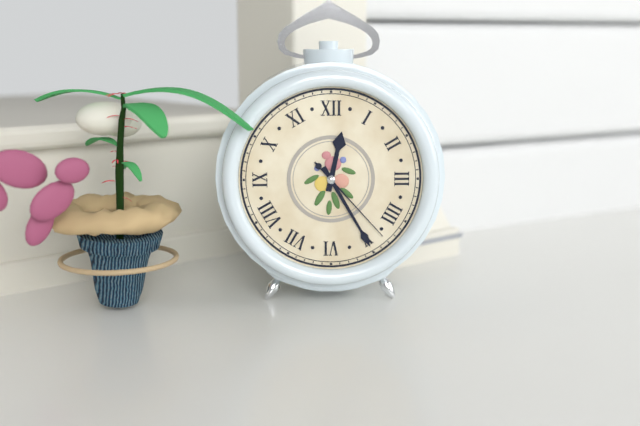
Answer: 12.25.23
